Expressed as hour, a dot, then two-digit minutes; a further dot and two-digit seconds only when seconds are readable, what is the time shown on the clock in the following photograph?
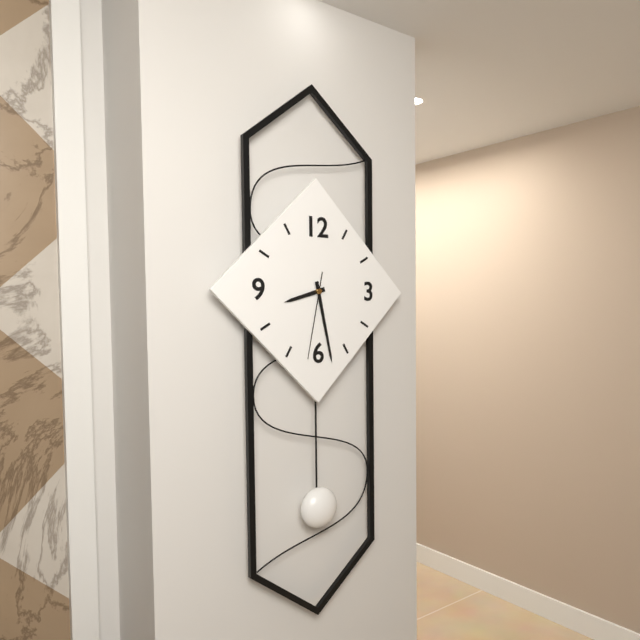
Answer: 8.28.32
